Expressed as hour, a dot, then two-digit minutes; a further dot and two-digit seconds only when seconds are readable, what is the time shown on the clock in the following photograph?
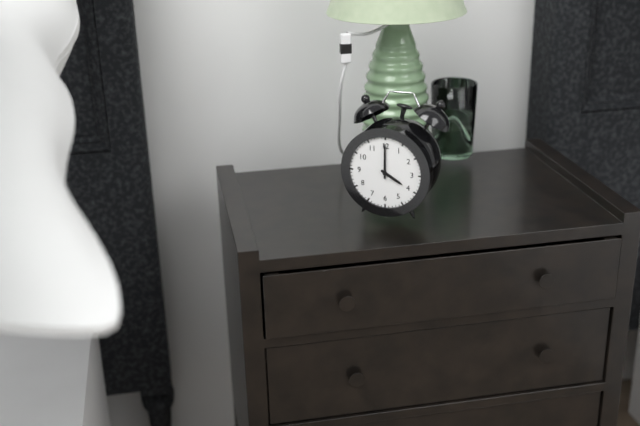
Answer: 4.00
